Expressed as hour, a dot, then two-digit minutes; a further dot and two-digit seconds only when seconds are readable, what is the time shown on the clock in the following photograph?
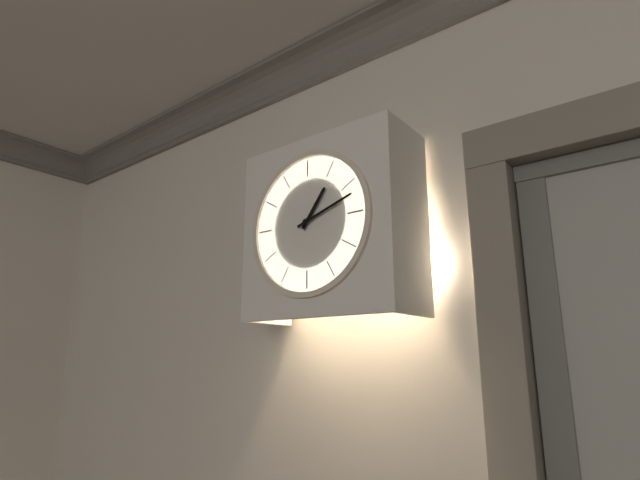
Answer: 1.12
